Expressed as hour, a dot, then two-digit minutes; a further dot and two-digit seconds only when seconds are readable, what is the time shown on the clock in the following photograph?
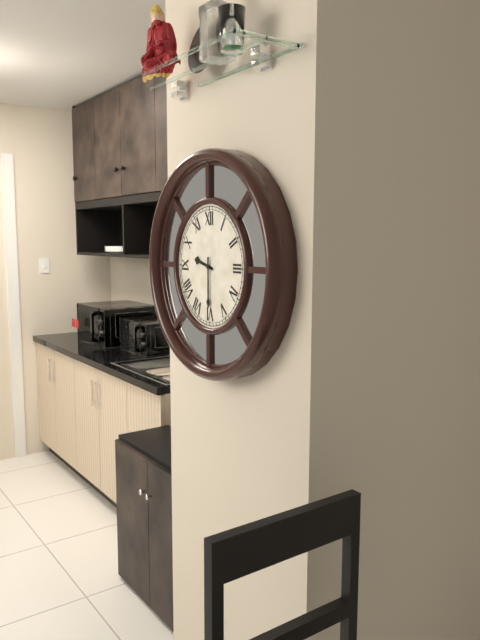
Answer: 9.30
